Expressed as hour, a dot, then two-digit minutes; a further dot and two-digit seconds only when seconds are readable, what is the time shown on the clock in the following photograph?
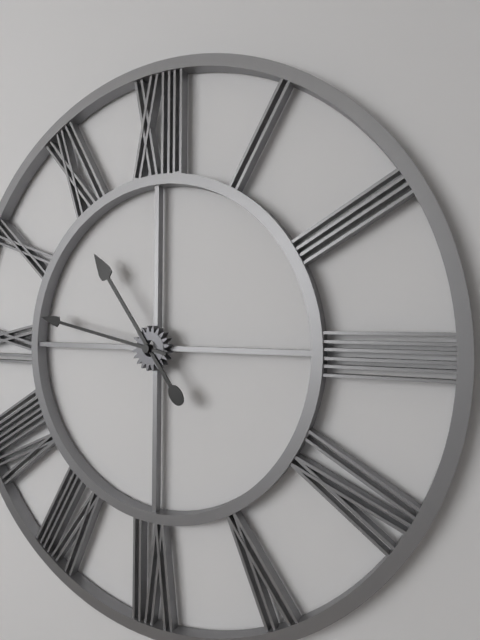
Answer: 10.47
